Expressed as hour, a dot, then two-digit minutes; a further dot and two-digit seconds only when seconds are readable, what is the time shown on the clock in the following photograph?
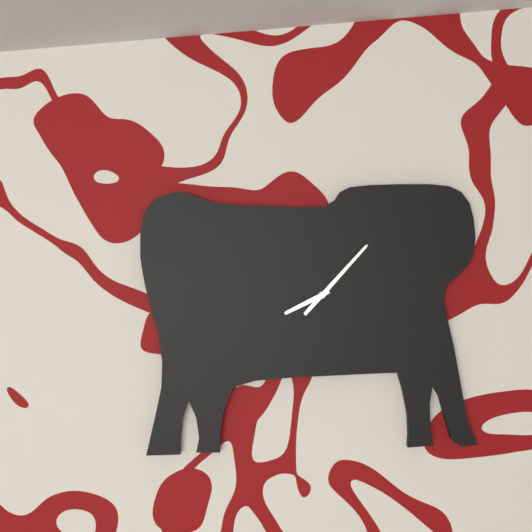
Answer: 8.07
